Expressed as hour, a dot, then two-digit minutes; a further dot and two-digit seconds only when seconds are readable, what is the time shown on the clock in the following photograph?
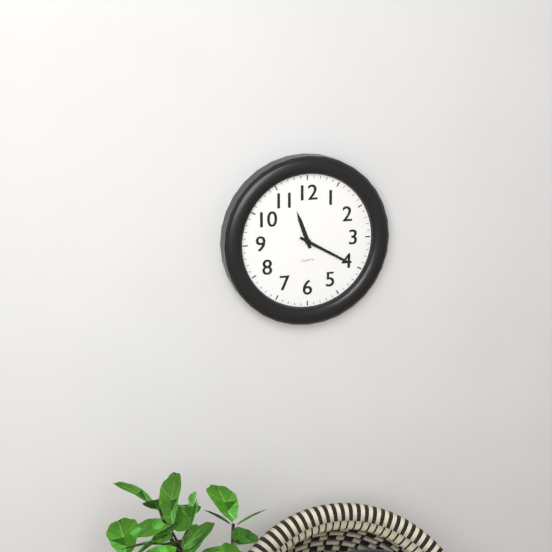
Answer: 11.20
